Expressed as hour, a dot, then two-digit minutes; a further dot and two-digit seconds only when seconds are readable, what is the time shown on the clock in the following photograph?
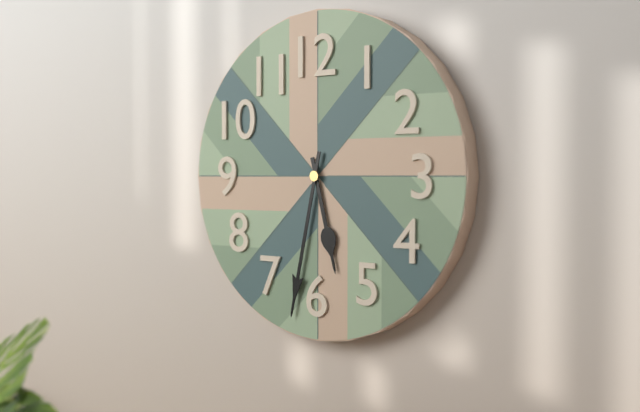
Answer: 5.32
